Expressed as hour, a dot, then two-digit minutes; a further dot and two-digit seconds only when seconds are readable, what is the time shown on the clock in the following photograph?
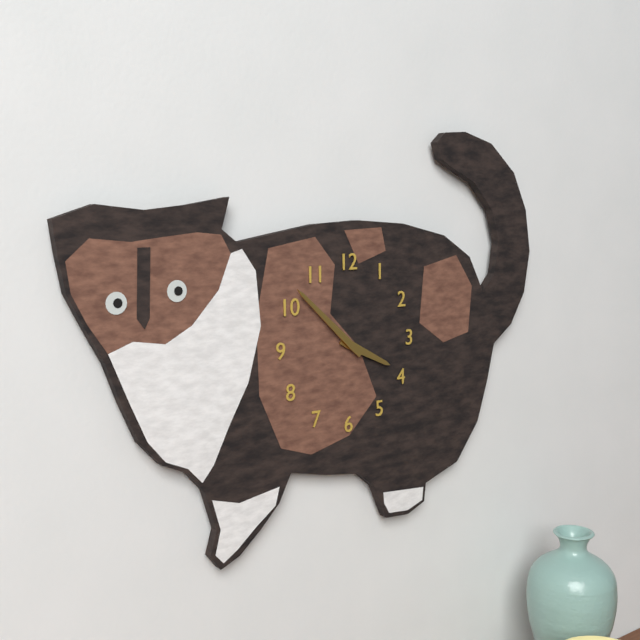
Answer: 3.52
